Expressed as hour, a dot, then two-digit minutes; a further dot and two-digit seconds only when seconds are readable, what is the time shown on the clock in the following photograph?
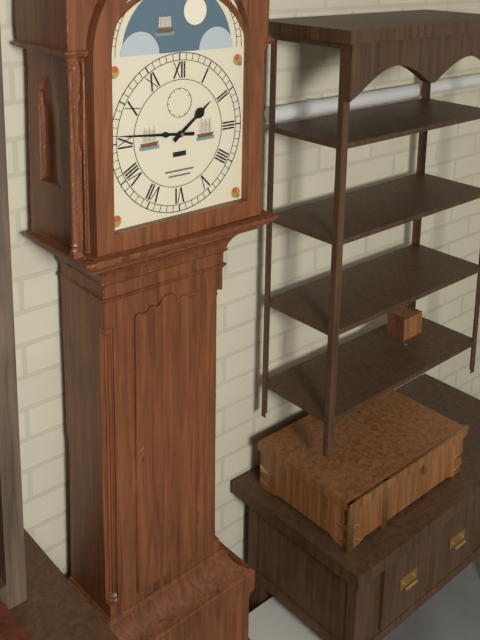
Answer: 1.46
